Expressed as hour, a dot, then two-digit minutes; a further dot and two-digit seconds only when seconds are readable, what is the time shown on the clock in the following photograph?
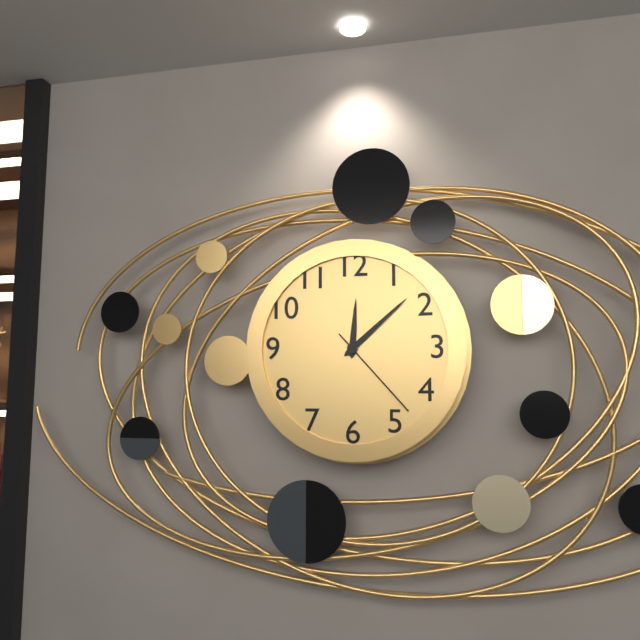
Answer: 12.08.23
